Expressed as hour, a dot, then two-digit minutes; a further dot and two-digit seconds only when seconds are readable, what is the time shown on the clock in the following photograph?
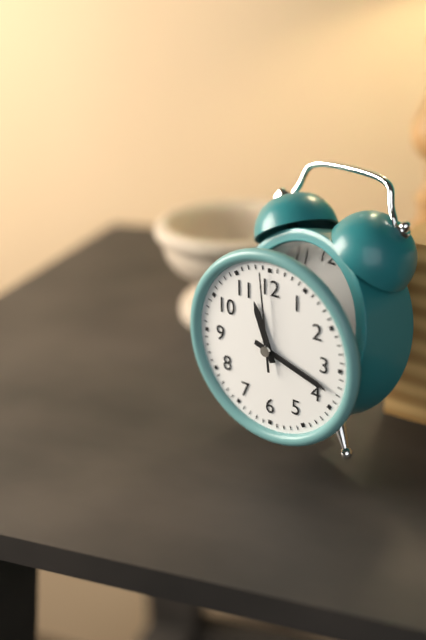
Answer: 11.18.59
